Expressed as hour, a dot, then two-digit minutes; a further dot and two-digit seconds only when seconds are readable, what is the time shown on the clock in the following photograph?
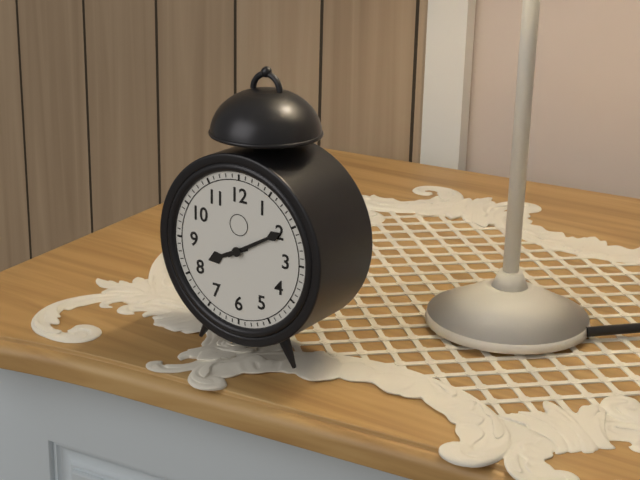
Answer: 8.10
